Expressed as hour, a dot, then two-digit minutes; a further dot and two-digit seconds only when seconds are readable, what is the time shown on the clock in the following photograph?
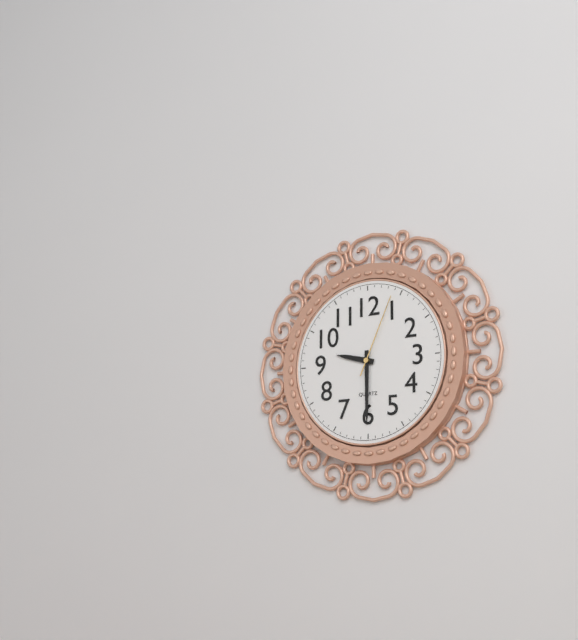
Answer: 9.30.04
